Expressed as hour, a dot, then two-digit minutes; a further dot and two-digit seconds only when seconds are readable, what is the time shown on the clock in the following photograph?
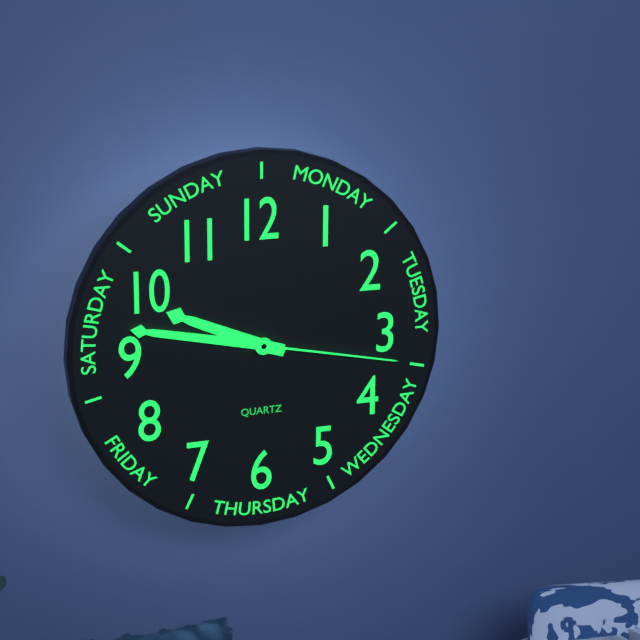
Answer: 9.47.17
